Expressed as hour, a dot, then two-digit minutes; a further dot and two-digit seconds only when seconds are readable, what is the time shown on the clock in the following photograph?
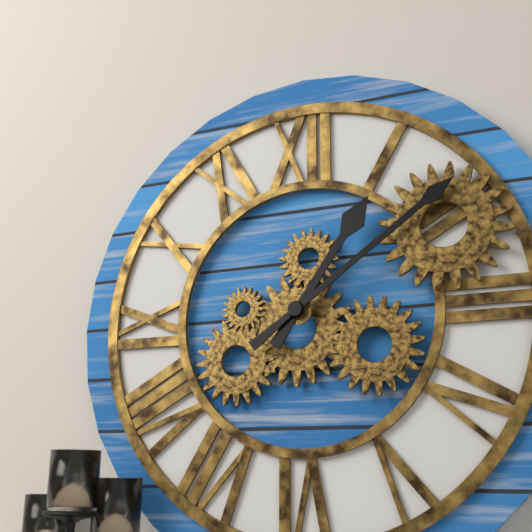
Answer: 1.09
